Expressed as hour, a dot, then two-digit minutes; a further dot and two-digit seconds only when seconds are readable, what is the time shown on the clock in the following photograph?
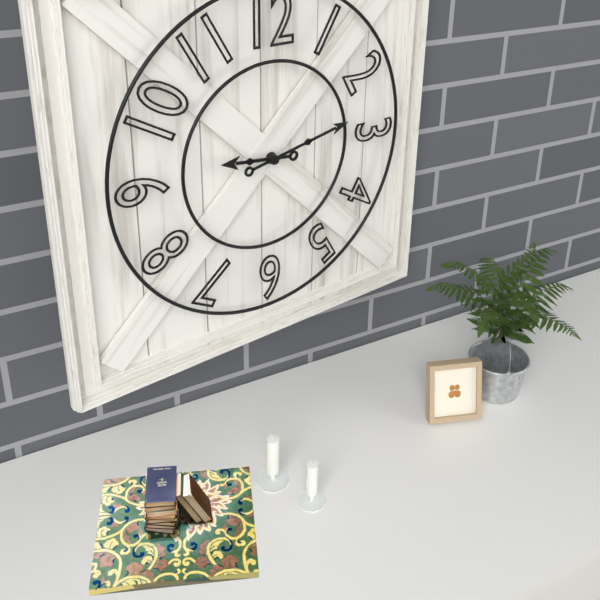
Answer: 9.13
